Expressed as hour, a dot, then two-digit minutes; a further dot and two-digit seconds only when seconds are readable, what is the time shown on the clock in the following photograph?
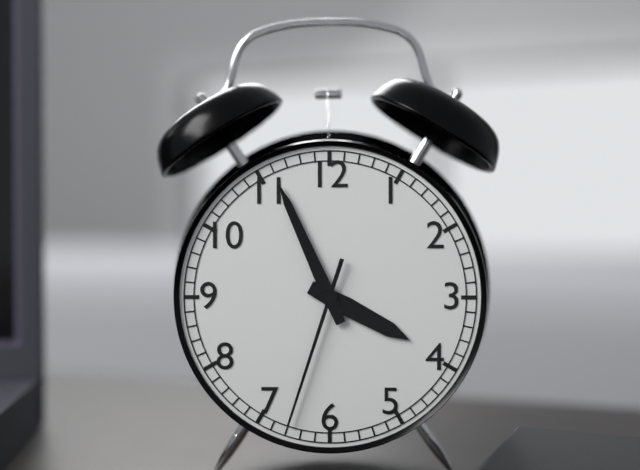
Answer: 3.56.33
